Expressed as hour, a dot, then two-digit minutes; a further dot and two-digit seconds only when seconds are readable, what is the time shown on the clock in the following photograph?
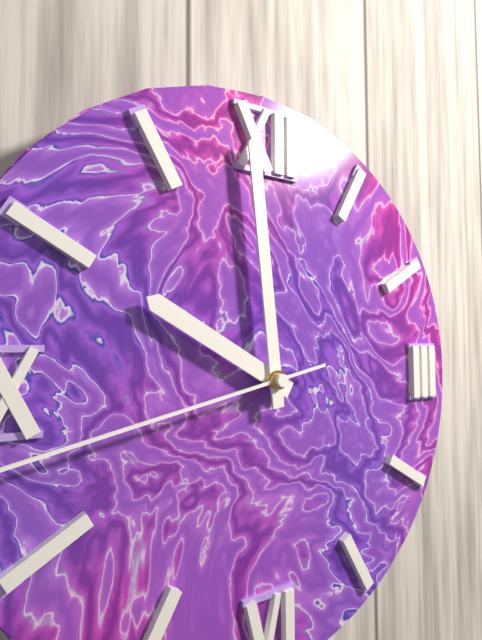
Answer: 9.59
